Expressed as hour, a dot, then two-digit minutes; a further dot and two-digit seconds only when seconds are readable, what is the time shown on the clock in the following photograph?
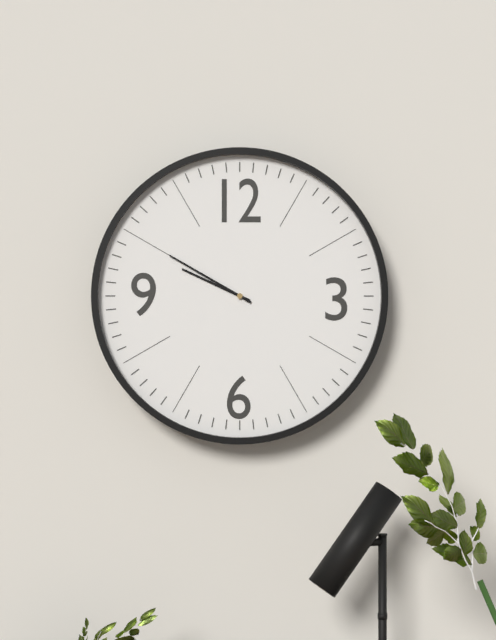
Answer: 9.50
